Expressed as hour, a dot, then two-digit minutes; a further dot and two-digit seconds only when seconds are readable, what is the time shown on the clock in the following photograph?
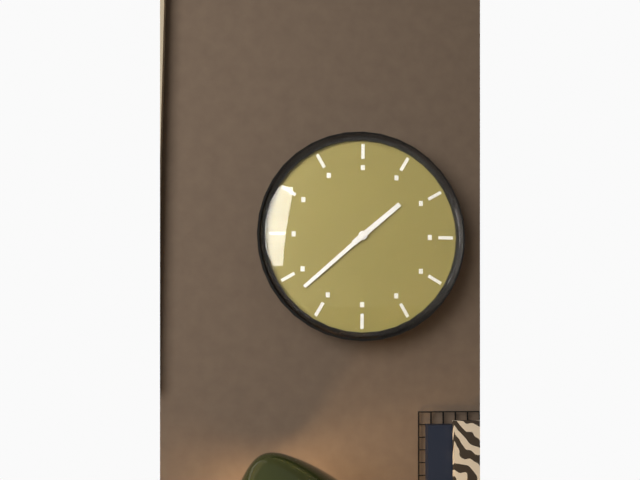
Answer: 1.38
